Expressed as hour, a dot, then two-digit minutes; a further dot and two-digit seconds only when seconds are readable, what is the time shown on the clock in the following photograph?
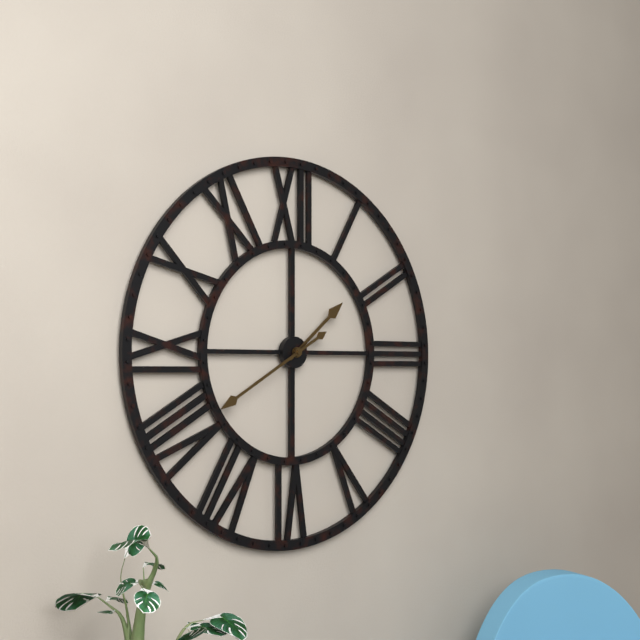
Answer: 1.40
